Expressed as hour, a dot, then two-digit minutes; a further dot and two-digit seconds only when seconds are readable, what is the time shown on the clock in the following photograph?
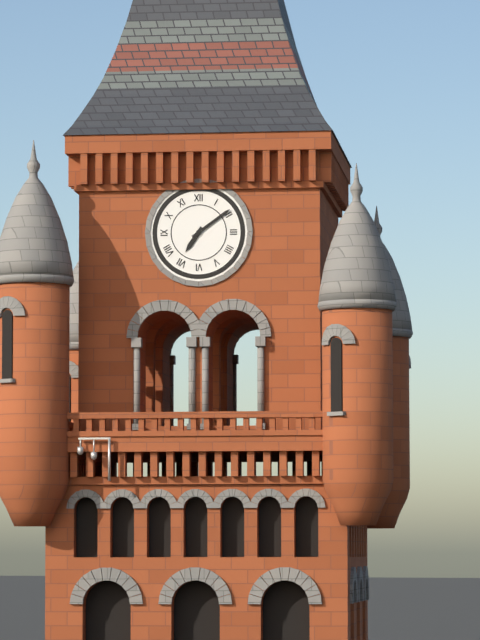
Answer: 7.09
